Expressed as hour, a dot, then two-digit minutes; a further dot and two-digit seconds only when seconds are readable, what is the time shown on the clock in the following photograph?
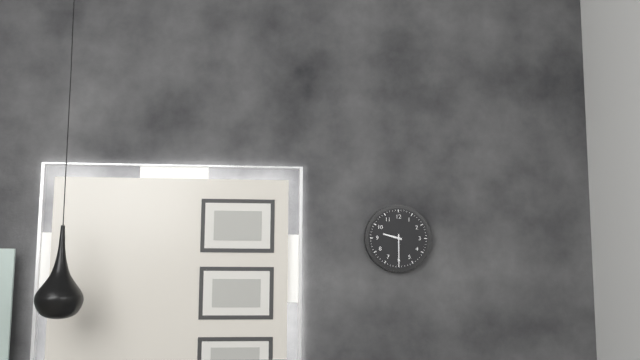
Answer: 9.30
